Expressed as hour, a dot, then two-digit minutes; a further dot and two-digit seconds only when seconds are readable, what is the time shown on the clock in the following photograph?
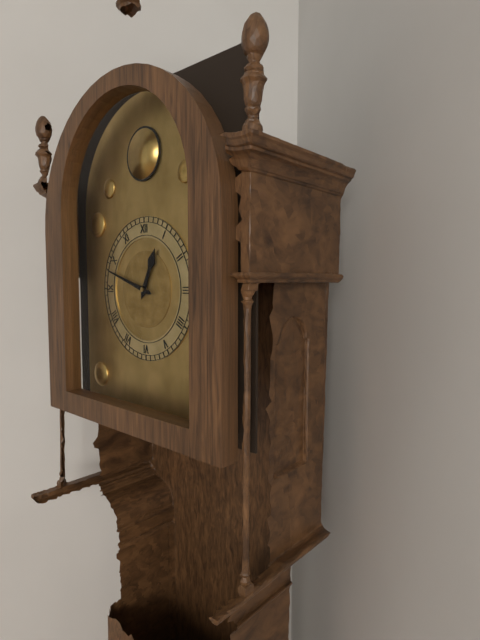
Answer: 12.48
